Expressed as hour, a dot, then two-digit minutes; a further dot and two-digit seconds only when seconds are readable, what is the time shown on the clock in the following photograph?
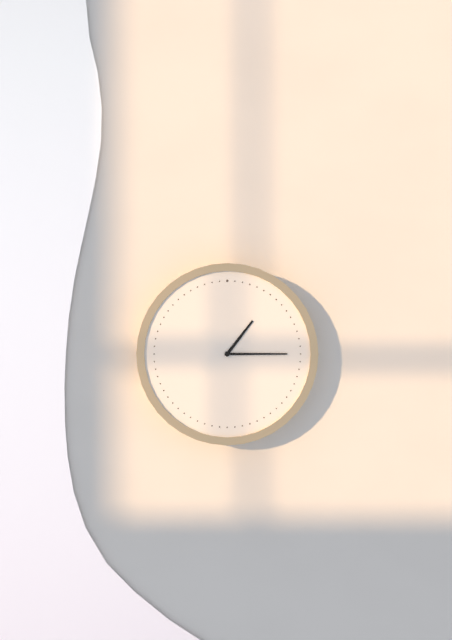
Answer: 1.15
